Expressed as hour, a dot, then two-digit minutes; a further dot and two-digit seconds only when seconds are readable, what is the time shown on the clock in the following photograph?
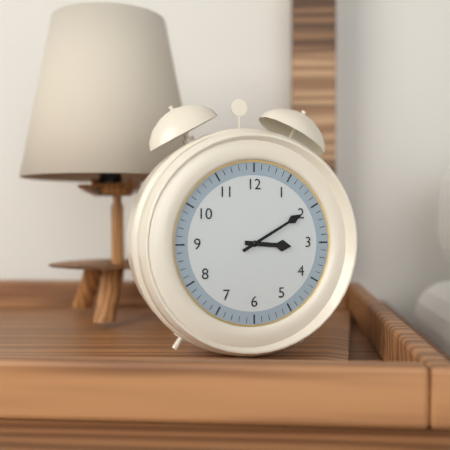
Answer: 3.10
